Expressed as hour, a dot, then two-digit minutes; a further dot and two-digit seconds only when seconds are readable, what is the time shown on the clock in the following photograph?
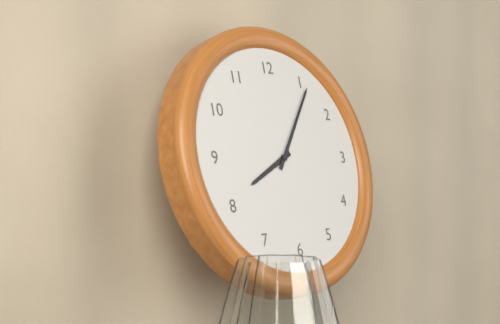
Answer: 8.06
